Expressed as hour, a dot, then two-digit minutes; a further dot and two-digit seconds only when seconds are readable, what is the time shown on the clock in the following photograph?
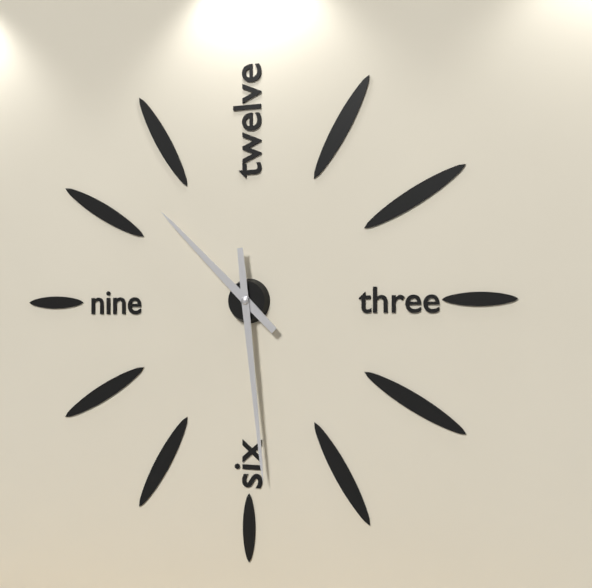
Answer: 10.29
